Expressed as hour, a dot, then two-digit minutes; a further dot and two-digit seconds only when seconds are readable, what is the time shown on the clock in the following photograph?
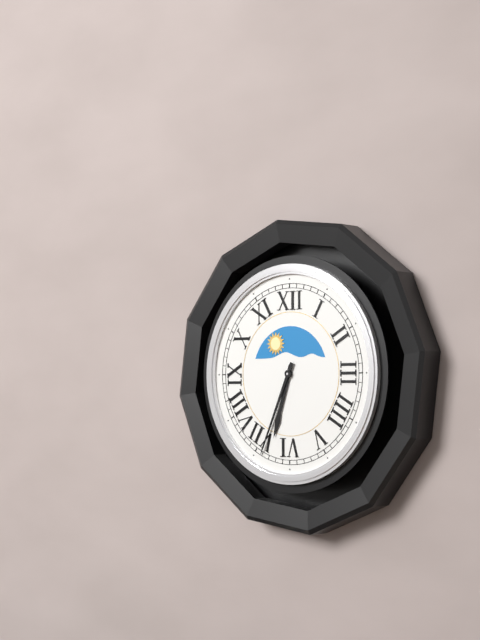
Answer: 6.34
